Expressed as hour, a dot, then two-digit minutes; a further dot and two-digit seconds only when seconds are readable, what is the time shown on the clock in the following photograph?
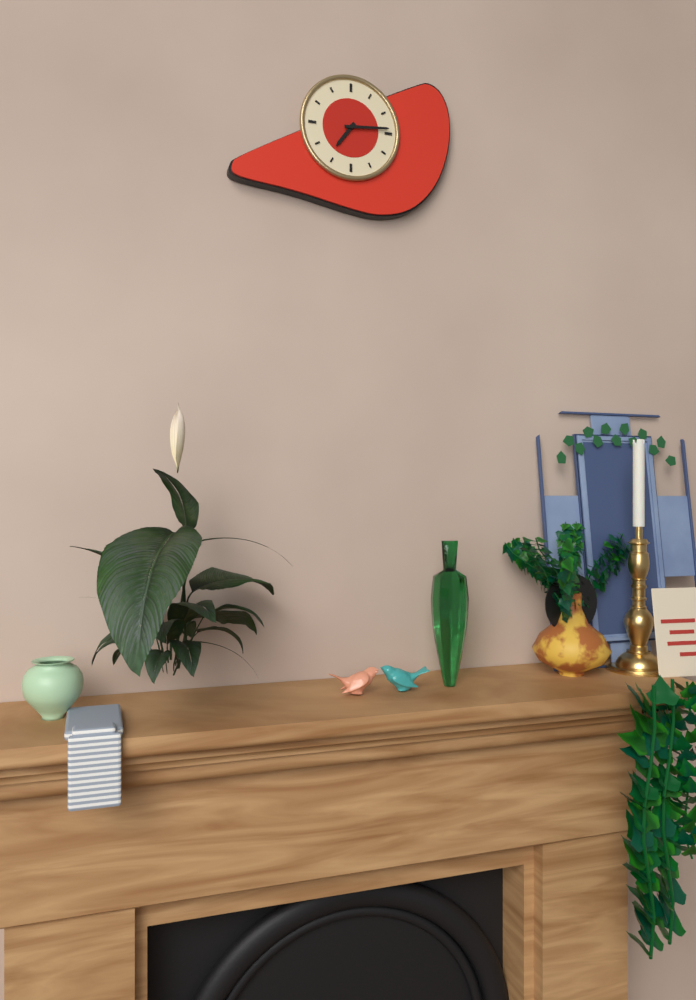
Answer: 7.14
